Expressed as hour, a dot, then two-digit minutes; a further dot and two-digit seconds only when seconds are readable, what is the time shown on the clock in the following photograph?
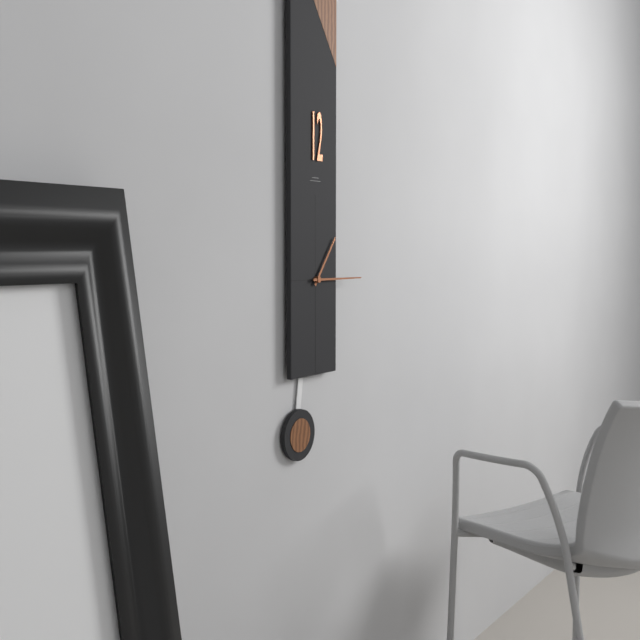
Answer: 1.15
